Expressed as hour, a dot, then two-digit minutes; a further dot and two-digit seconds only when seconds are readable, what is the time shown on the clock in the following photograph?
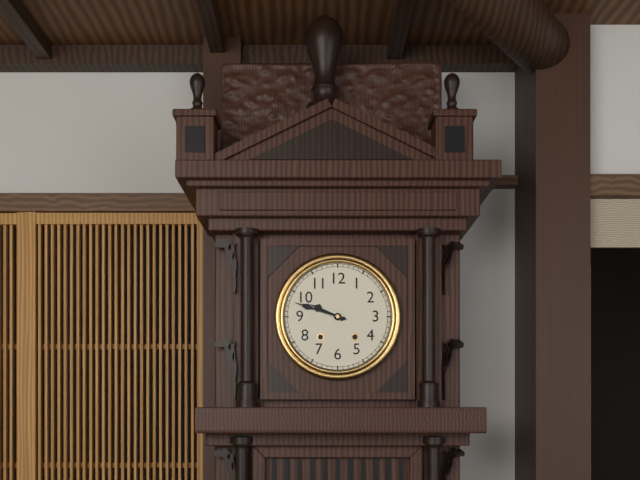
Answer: 9.48
